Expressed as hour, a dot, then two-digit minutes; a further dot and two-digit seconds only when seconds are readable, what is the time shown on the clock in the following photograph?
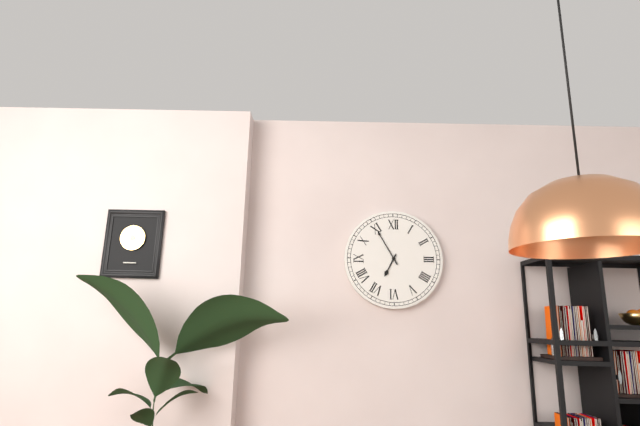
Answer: 6.55
